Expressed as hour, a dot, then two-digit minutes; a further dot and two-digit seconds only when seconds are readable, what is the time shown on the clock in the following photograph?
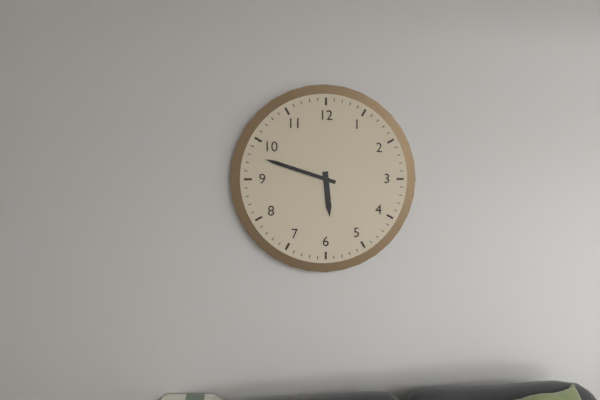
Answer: 5.48
